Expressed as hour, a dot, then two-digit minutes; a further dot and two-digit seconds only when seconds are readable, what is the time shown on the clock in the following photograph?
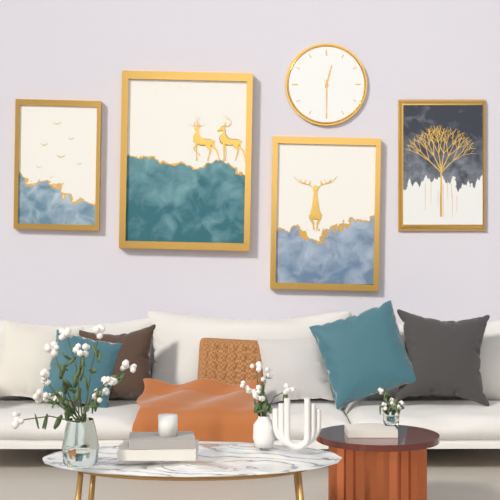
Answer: 12.30
